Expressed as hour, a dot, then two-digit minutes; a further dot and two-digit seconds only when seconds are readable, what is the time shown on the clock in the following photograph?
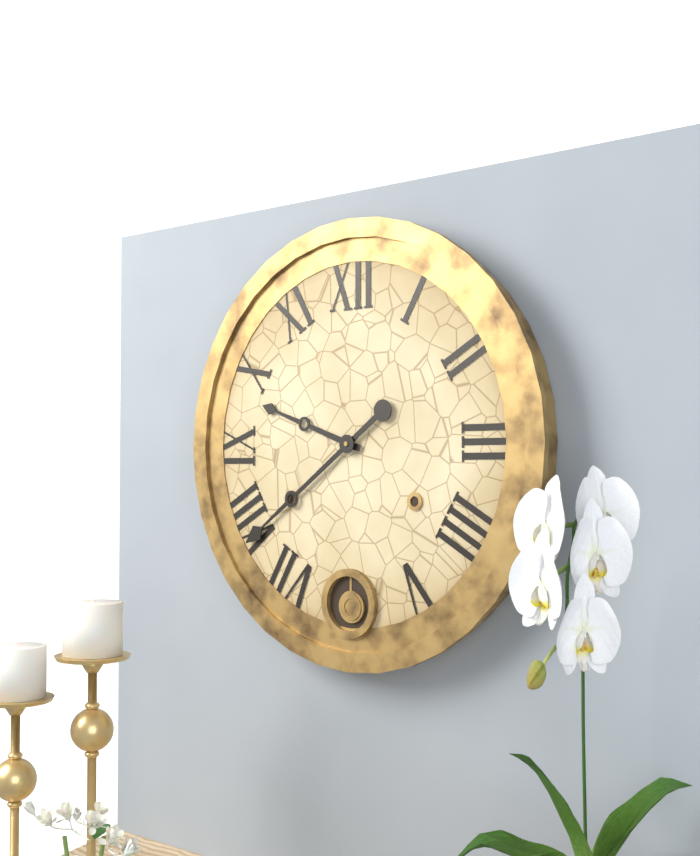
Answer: 9.39
